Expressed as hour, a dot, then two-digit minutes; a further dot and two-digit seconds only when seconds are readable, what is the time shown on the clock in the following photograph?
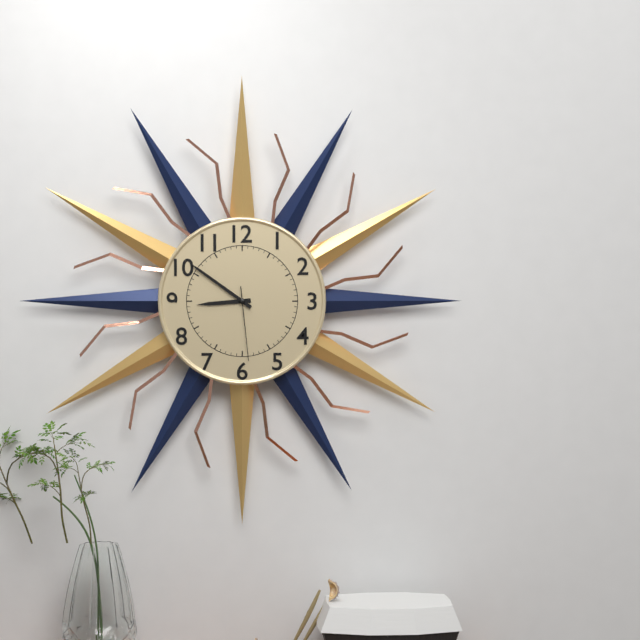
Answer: 8.51.29
